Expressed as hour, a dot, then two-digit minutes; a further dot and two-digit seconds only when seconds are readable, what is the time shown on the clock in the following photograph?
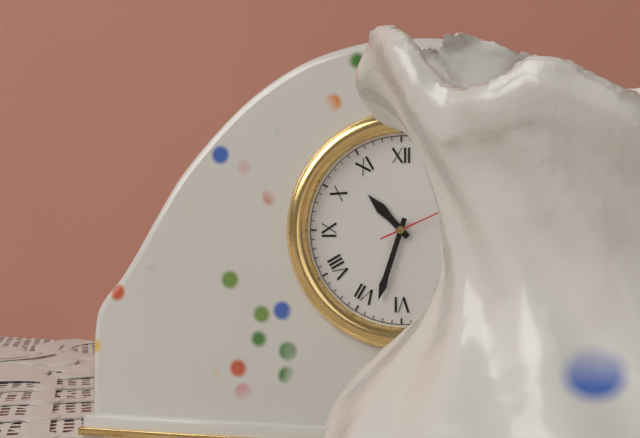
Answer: 10.33
